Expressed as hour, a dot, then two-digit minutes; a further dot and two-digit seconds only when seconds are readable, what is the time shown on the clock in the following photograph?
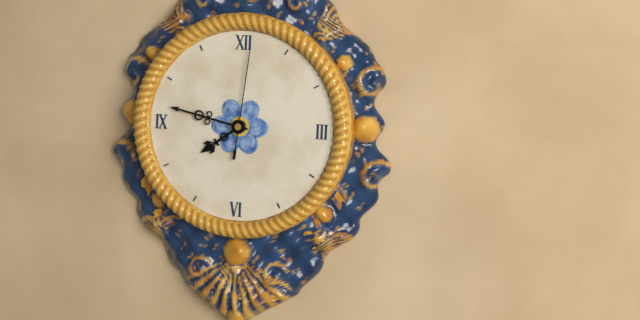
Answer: 7.47.01
